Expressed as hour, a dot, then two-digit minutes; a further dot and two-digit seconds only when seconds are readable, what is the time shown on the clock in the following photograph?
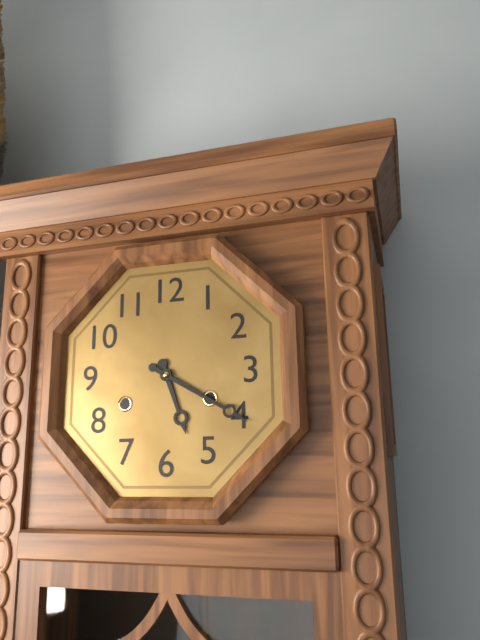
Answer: 5.20
